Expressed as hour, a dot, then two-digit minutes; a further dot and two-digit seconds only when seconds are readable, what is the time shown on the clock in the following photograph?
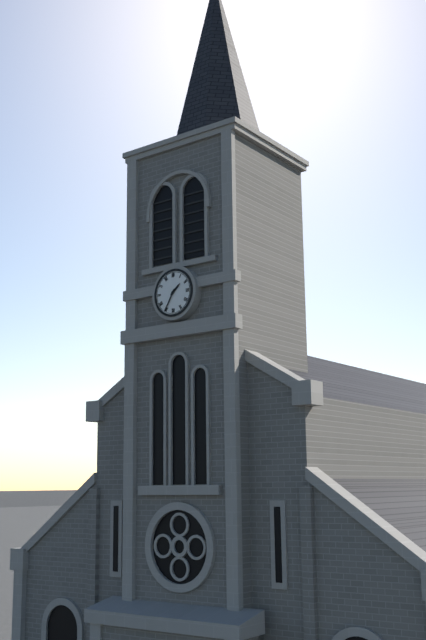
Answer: 1.35
